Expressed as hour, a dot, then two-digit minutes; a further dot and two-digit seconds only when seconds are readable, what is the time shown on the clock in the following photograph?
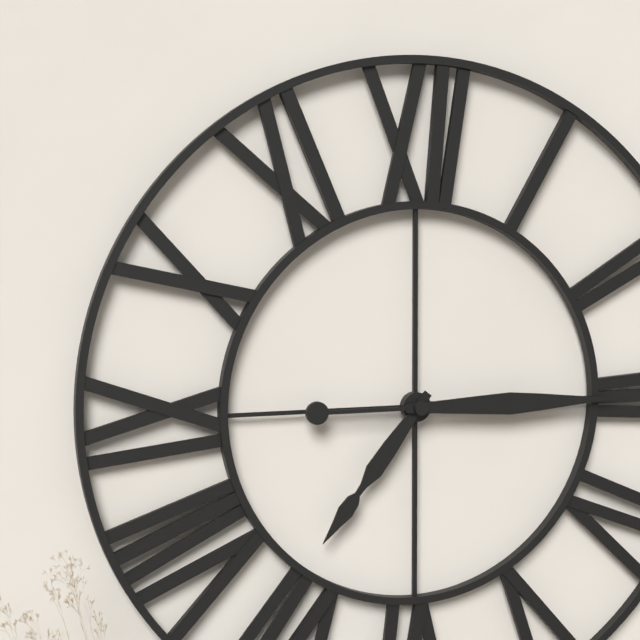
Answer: 7.15
